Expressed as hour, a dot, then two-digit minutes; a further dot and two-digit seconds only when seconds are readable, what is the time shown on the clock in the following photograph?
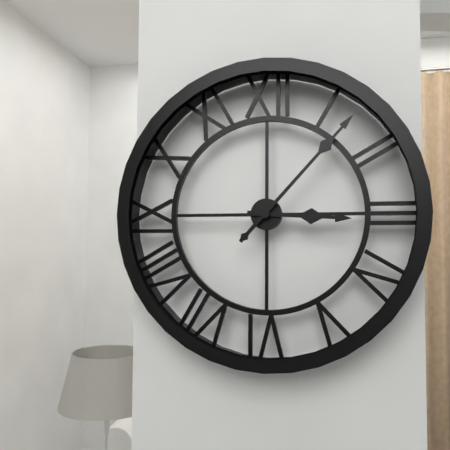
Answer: 3.07
